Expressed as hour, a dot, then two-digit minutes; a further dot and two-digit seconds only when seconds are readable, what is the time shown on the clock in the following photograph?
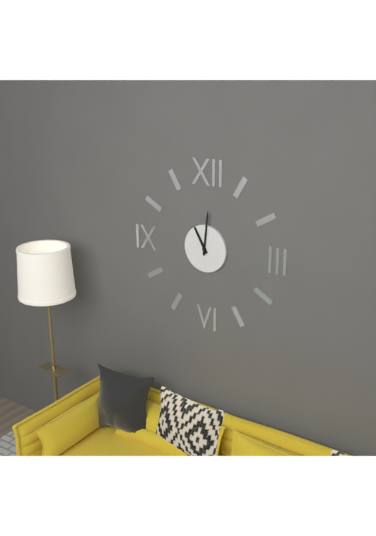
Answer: 11.01
